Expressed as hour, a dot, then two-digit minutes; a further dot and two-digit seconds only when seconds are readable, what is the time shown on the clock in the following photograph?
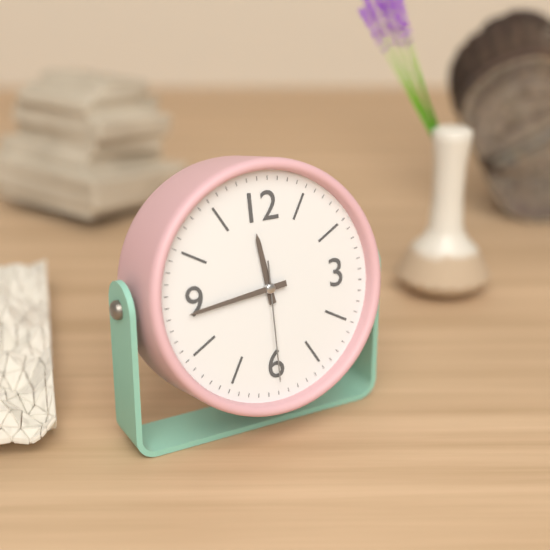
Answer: 11.44.30
